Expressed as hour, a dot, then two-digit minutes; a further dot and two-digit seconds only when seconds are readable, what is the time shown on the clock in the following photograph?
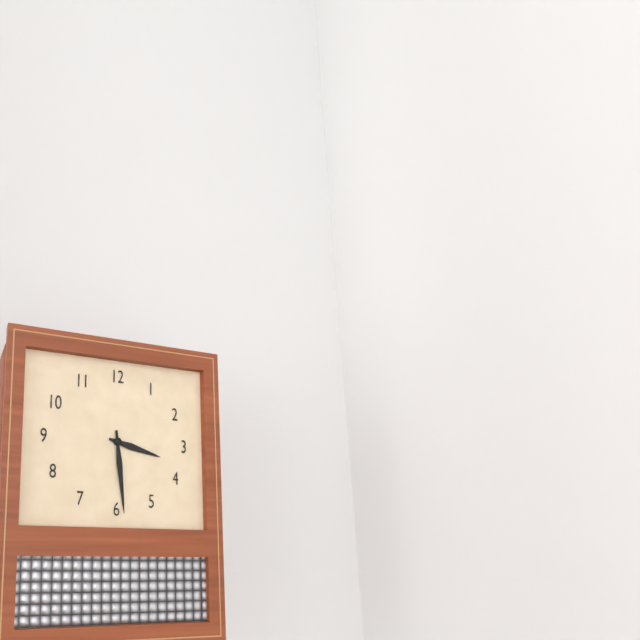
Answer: 3.29
